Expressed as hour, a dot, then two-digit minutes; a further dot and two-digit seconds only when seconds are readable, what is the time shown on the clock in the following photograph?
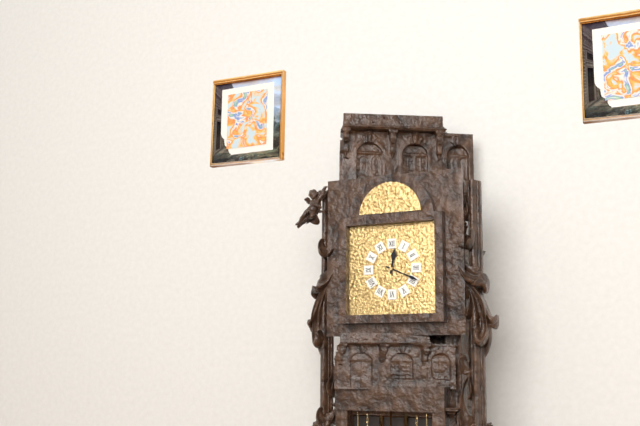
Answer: 12.19
